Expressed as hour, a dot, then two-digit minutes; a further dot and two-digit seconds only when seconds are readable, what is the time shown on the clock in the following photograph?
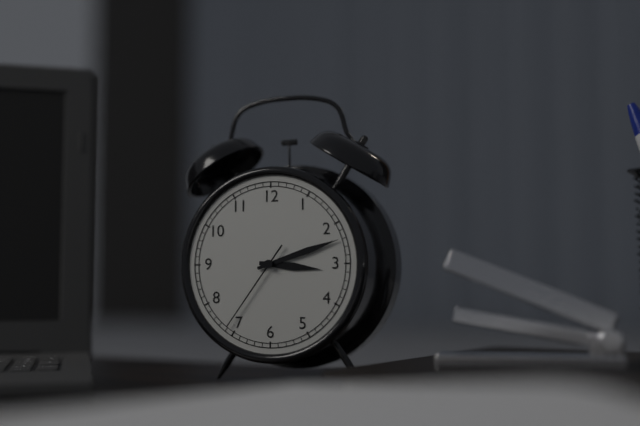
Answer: 3.12.36
